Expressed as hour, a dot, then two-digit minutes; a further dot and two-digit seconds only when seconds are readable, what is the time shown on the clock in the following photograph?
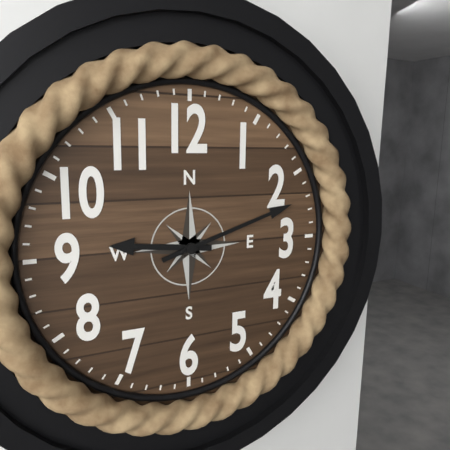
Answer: 9.12
